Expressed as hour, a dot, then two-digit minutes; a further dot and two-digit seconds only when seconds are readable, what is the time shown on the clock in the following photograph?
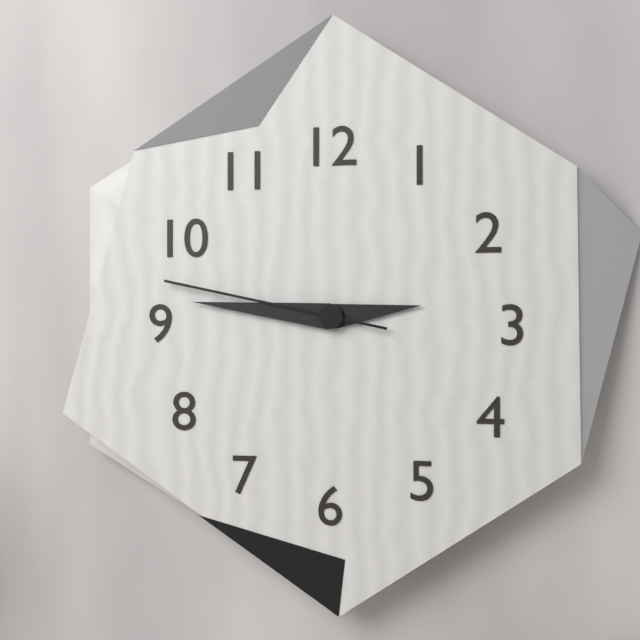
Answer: 2.46.47
